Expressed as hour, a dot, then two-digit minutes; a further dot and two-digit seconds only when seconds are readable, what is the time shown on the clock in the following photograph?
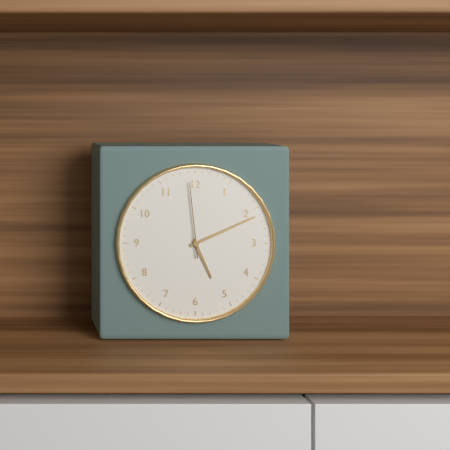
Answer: 5.11.59
